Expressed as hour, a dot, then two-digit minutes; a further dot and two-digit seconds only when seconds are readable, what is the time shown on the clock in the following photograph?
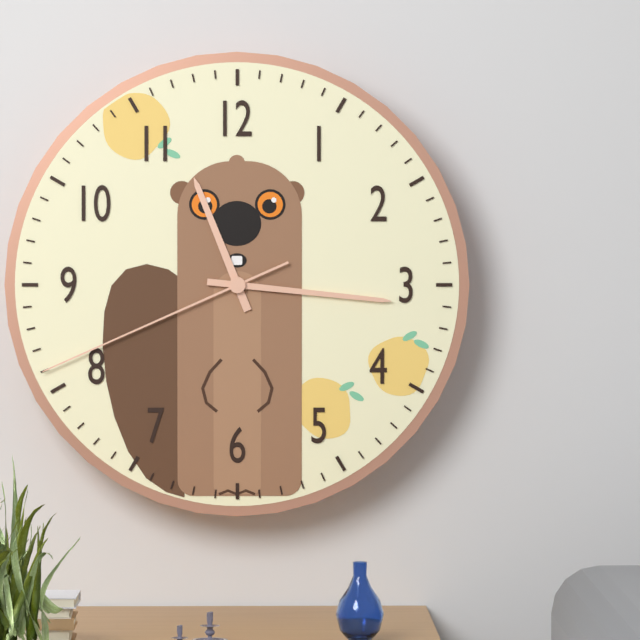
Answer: 11.16.41
